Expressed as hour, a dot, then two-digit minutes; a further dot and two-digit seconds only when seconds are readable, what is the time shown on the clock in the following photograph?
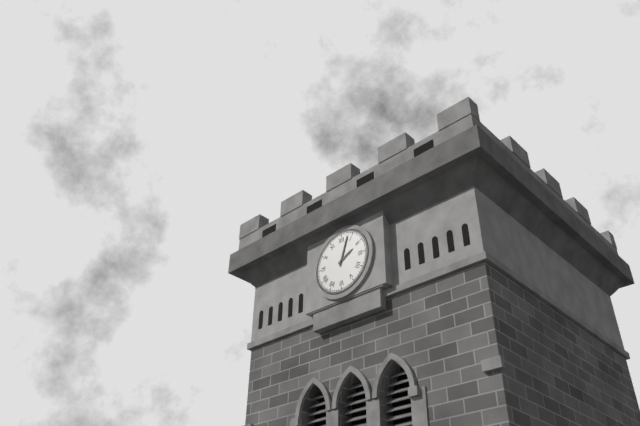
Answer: 2.03
